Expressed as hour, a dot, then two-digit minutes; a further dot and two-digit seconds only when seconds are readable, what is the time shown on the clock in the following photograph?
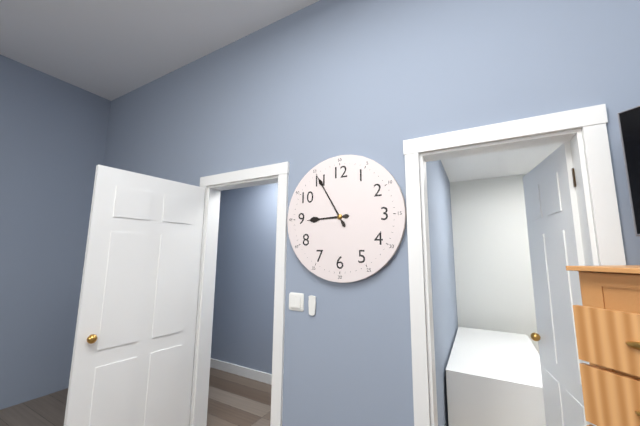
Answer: 8.55
